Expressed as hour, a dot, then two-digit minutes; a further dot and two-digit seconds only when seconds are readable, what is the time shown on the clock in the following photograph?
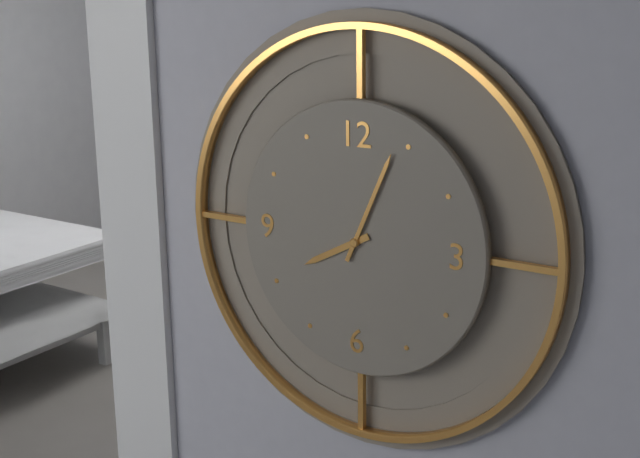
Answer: 8.04
